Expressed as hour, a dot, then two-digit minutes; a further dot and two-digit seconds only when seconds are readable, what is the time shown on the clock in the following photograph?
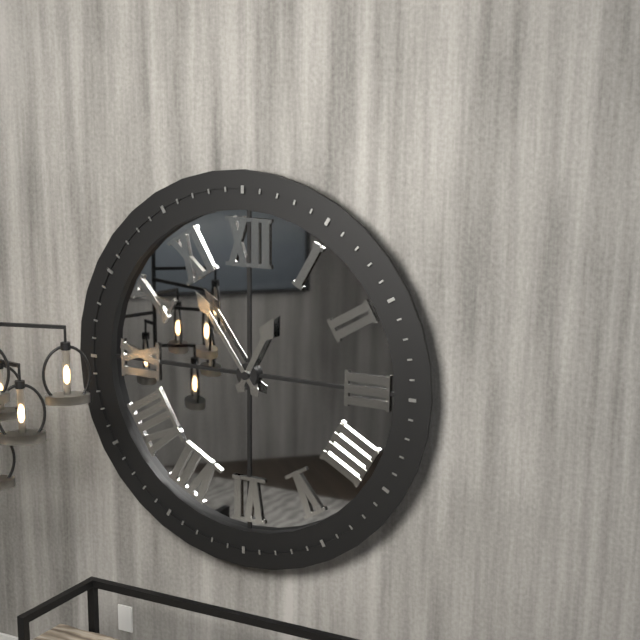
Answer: 12.54
